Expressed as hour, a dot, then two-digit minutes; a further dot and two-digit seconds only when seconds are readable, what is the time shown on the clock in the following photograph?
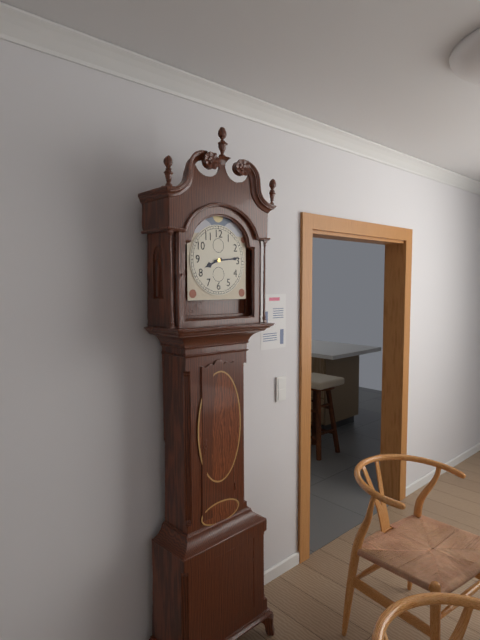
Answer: 8.14
